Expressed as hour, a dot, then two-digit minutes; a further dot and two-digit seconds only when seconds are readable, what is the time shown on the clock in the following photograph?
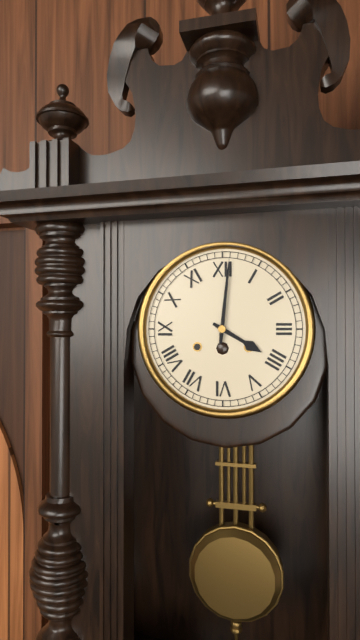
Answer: 4.01
